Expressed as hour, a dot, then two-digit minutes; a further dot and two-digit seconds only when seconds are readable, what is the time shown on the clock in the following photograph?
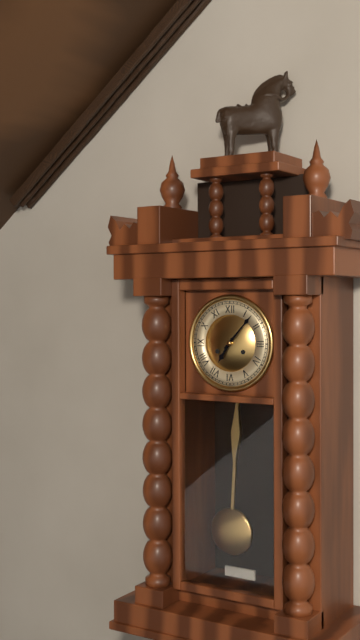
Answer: 7.07
